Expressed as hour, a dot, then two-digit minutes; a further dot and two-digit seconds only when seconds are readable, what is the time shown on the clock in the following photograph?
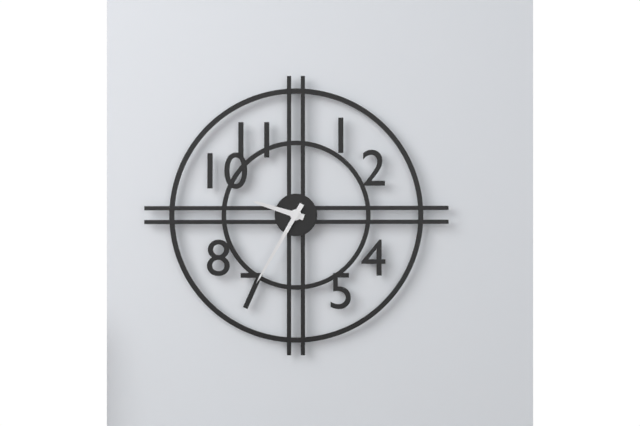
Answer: 9.35
